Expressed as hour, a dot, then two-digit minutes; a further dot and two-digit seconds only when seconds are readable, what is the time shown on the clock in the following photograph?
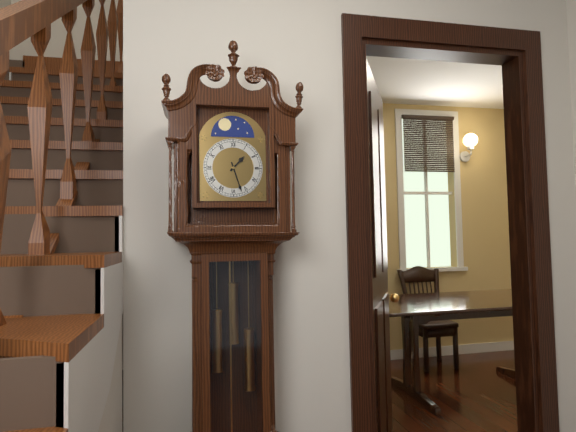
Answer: 1.27
